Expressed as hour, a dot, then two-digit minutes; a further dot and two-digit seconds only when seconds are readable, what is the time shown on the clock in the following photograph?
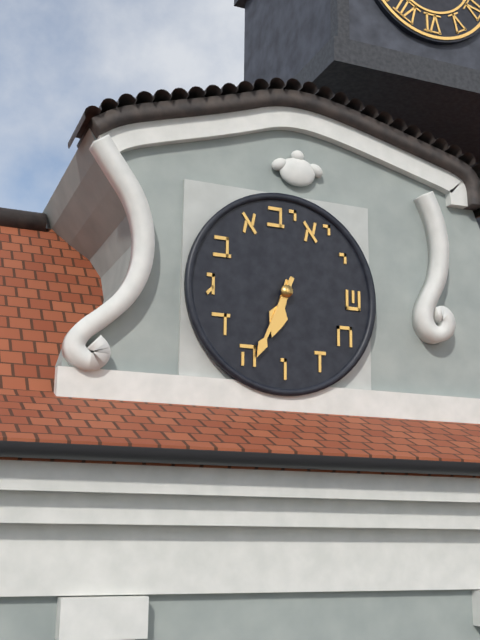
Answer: 6.34
